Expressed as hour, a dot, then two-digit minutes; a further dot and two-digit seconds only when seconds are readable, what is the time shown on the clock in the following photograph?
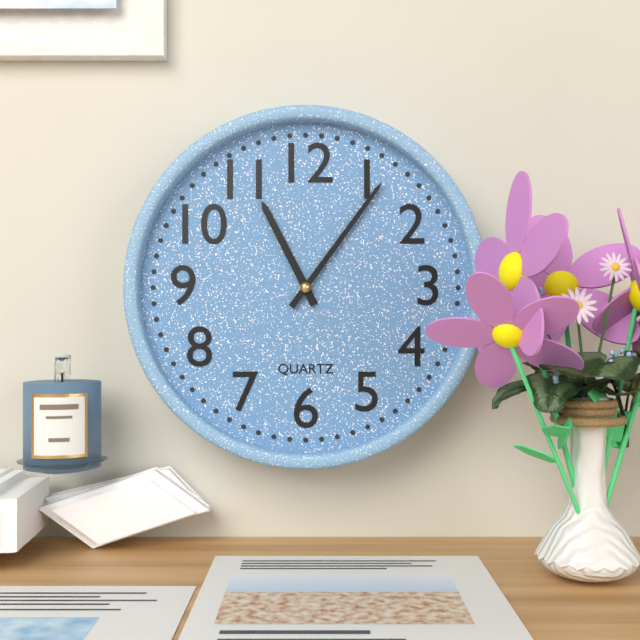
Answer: 11.06
